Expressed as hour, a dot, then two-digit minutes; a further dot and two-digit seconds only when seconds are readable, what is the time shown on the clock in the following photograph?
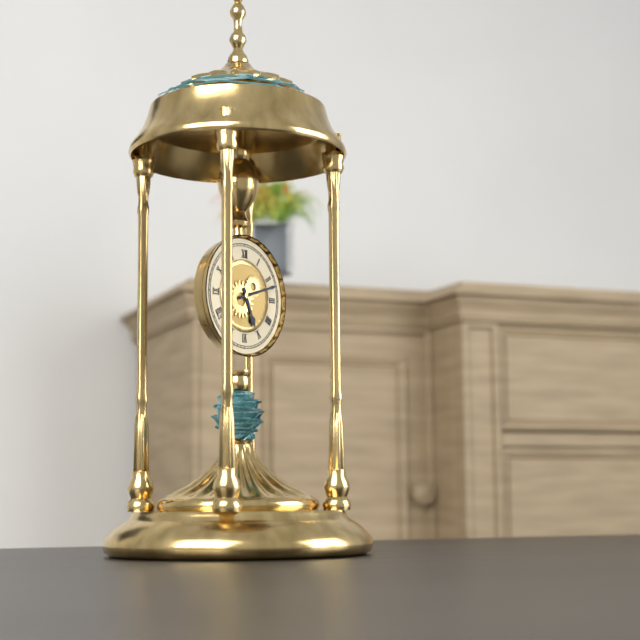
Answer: 5.12
